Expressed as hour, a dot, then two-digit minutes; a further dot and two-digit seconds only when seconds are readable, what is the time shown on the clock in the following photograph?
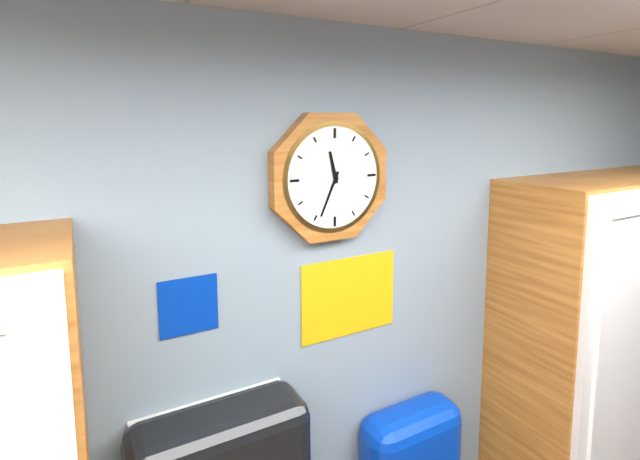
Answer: 11.34
